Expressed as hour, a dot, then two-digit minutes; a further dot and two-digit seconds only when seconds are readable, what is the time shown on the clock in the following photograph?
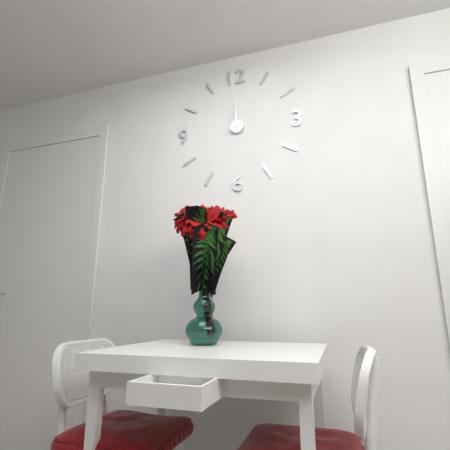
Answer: 12.00
